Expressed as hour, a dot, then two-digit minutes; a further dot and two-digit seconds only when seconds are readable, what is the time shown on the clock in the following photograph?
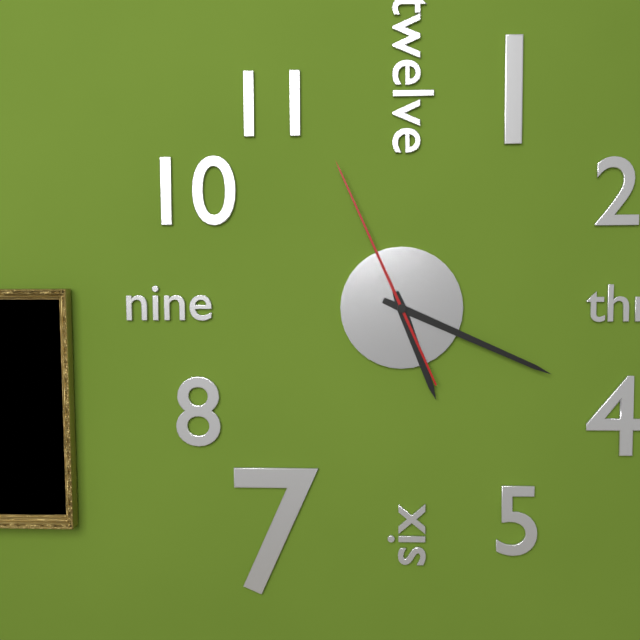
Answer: 5.19.56
